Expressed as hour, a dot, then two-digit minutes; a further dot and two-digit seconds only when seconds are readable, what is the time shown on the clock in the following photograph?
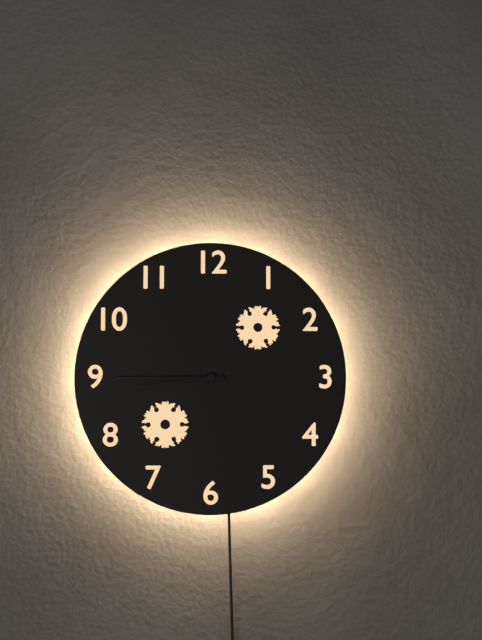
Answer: 8.45
